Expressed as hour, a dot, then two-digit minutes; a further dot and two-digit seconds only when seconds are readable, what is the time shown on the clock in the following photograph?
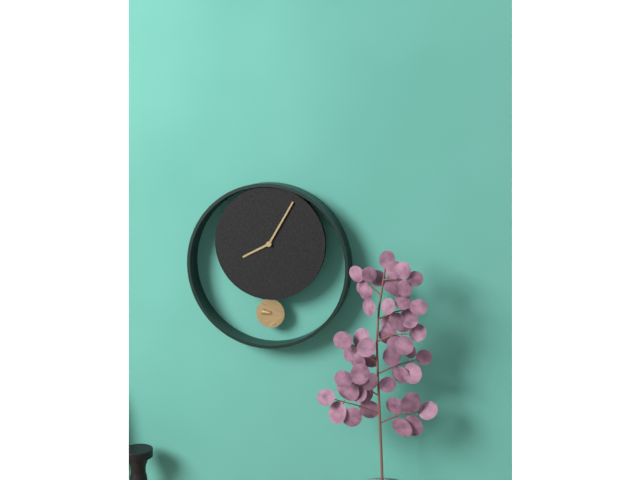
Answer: 8.05
